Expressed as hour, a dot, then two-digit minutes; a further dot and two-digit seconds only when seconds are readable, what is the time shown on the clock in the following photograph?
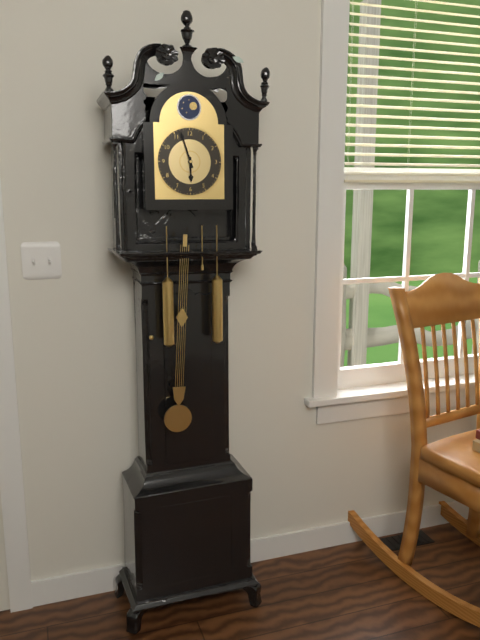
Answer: 5.57
